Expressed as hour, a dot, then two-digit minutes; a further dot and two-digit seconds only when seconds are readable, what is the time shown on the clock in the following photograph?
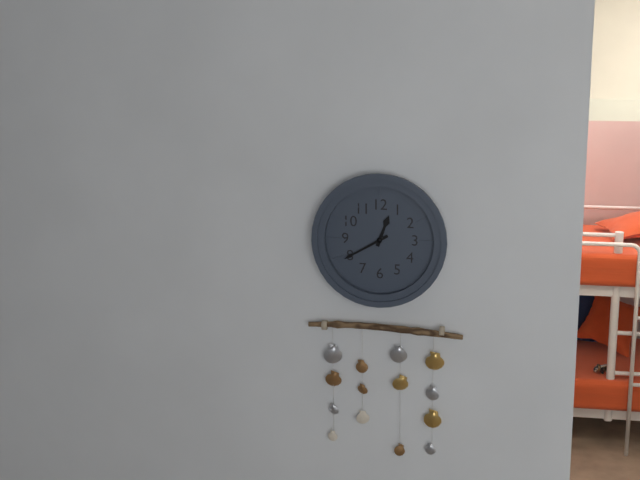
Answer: 12.40
